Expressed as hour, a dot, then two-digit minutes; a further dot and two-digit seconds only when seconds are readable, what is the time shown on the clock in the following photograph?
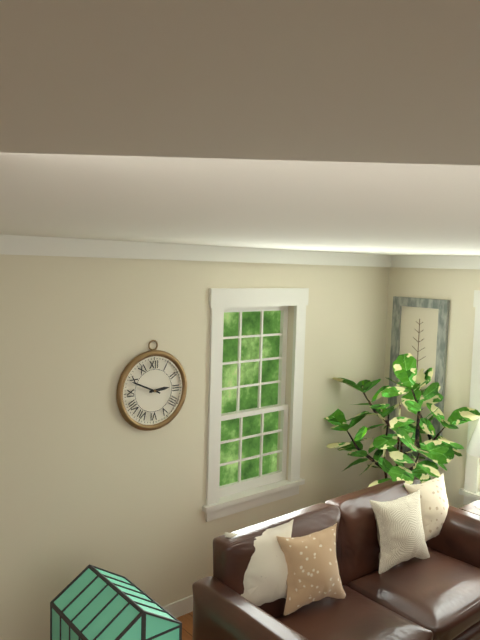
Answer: 2.49
